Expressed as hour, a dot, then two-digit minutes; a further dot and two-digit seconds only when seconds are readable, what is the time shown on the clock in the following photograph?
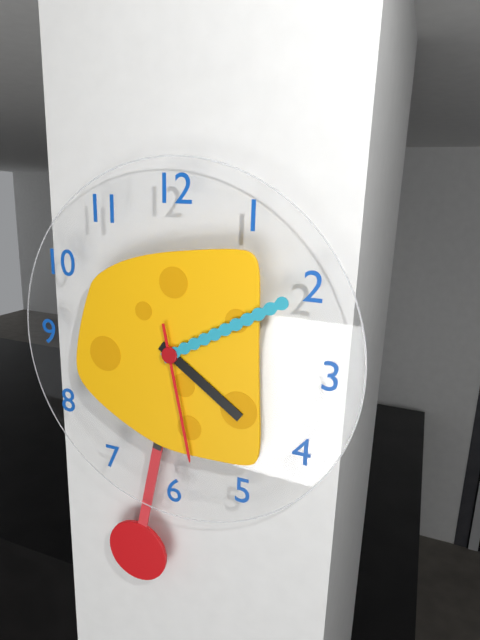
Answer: 4.10.28
